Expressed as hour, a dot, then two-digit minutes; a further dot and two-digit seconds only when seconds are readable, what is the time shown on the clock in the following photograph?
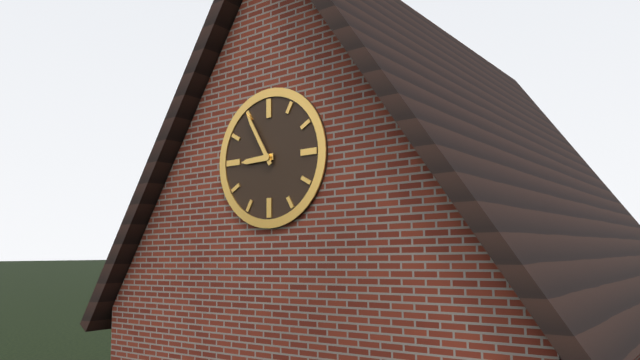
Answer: 8.55
